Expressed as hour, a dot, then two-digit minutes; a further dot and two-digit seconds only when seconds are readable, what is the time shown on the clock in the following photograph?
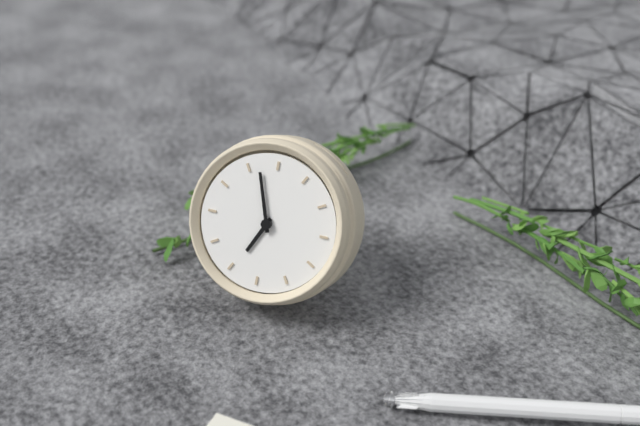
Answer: 5.52
